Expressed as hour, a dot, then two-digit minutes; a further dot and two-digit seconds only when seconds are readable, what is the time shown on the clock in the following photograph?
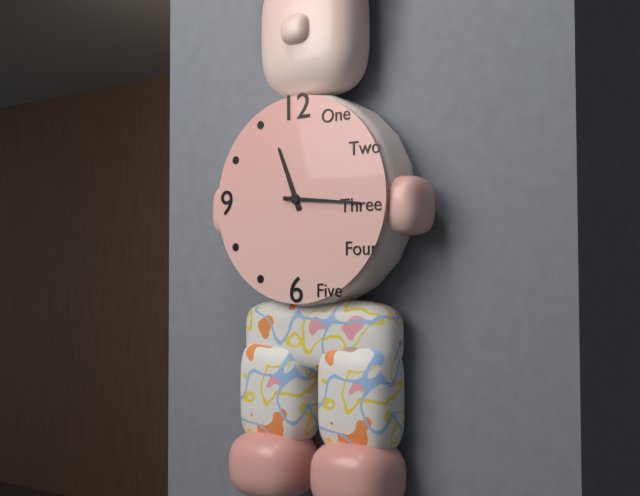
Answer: 11.16
